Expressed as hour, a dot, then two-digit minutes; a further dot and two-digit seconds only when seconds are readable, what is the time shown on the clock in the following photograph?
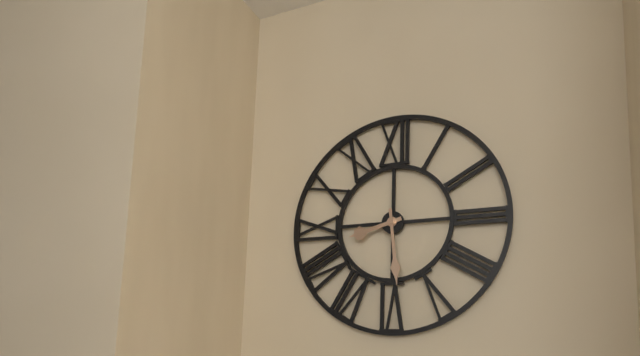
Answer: 8.29
